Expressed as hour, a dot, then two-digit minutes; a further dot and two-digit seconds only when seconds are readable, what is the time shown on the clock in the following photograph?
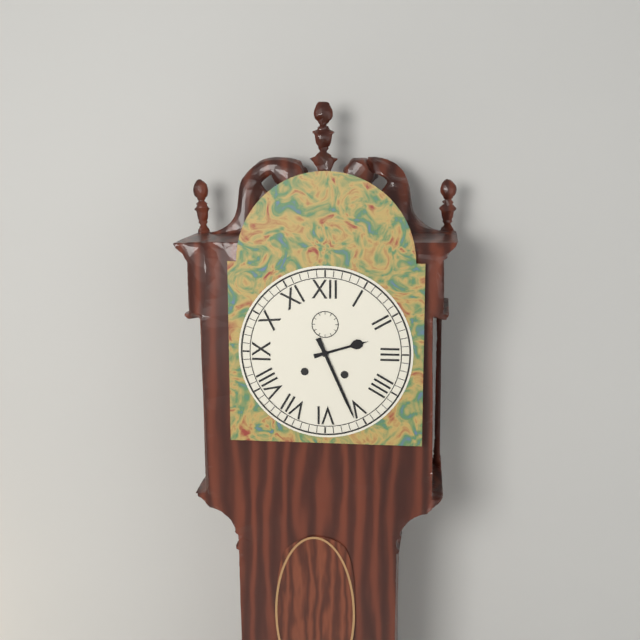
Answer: 2.26
